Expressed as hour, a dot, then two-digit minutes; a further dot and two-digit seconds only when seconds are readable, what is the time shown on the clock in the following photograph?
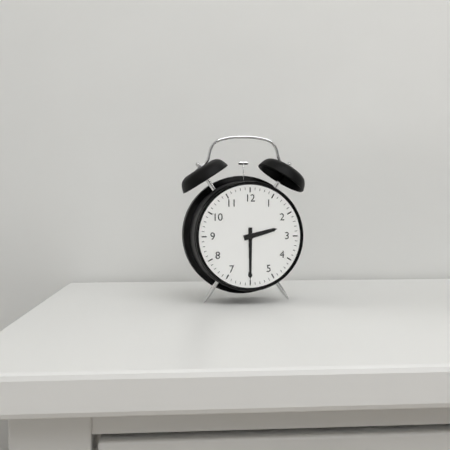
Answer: 2.30
